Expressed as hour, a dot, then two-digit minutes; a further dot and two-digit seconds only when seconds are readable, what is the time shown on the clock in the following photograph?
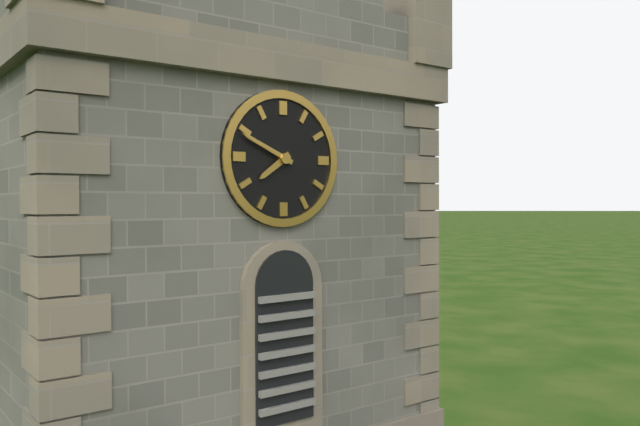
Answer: 7.49
